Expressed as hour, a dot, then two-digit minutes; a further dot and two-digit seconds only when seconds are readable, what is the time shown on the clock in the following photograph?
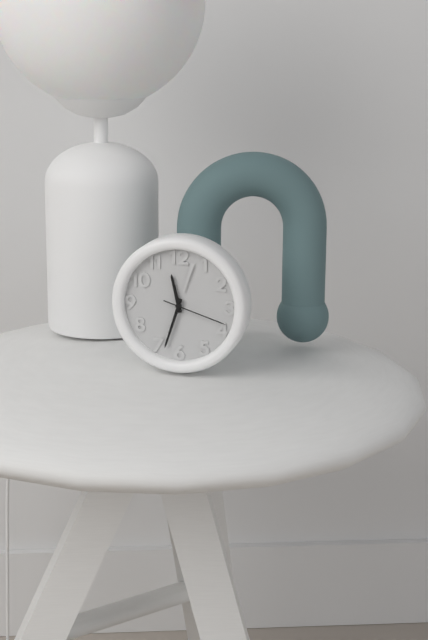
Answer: 11.33.18
